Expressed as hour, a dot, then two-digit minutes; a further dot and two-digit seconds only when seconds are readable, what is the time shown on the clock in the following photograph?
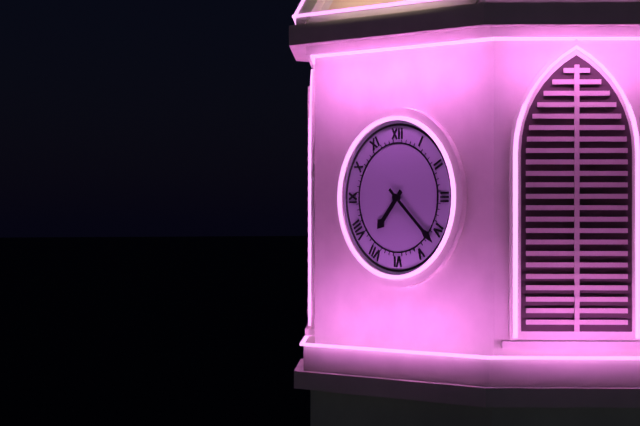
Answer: 7.22
